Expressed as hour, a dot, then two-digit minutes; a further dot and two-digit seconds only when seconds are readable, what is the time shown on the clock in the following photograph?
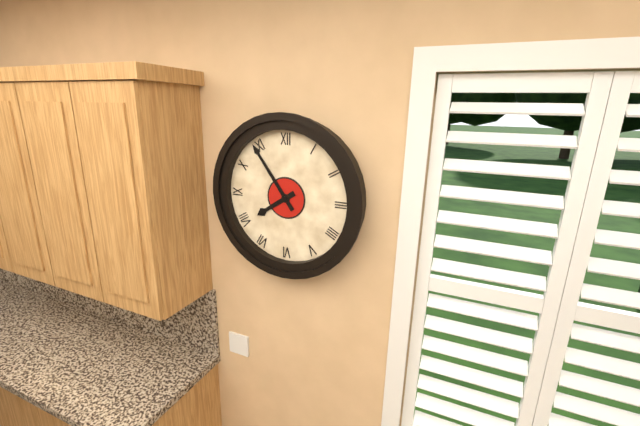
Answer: 7.54
